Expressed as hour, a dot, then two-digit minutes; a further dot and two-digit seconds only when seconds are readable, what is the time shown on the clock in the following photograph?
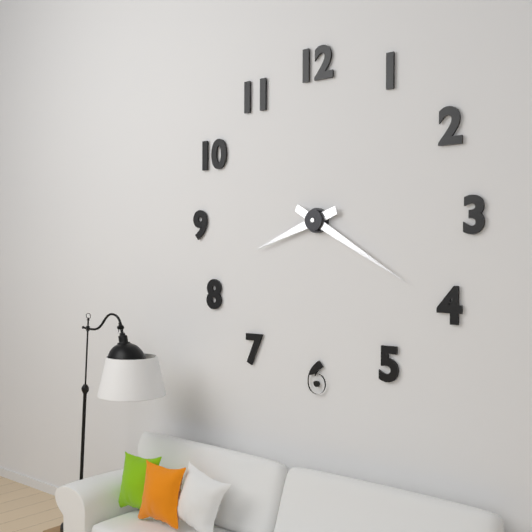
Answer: 8.20
